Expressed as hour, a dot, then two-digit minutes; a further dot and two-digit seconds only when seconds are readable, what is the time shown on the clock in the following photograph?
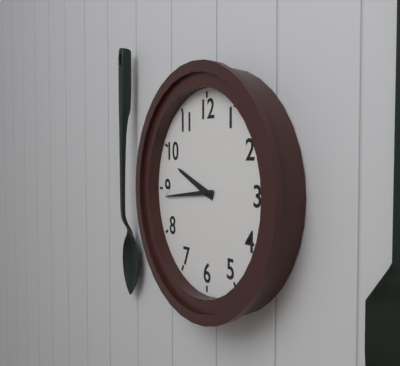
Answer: 9.44
